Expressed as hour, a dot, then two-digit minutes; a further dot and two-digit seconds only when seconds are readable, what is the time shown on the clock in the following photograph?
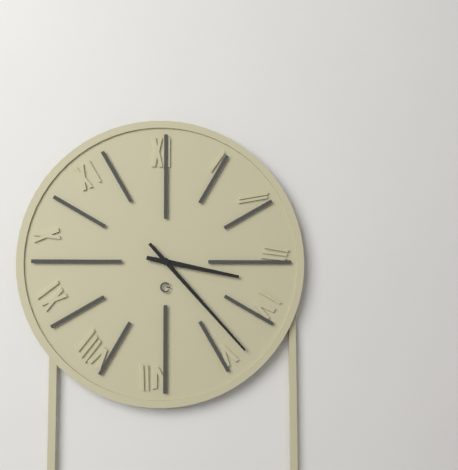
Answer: 3.23
